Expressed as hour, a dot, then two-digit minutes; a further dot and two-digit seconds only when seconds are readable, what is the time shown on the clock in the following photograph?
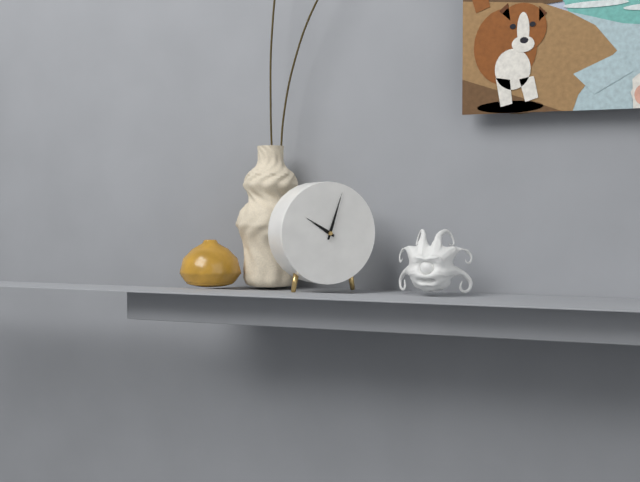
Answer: 10.03
